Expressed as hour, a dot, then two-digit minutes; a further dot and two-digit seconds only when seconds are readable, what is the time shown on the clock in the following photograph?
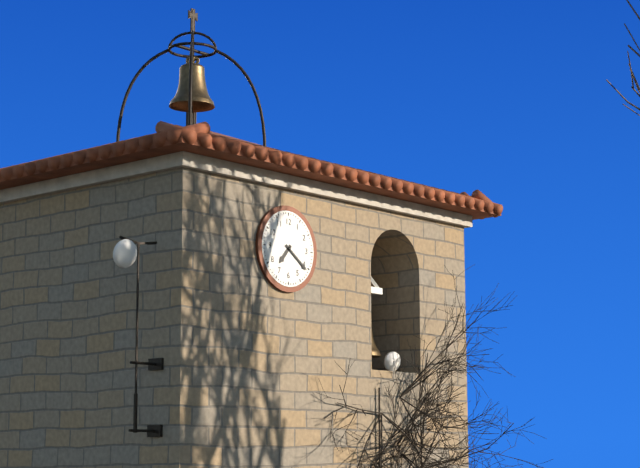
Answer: 7.21
